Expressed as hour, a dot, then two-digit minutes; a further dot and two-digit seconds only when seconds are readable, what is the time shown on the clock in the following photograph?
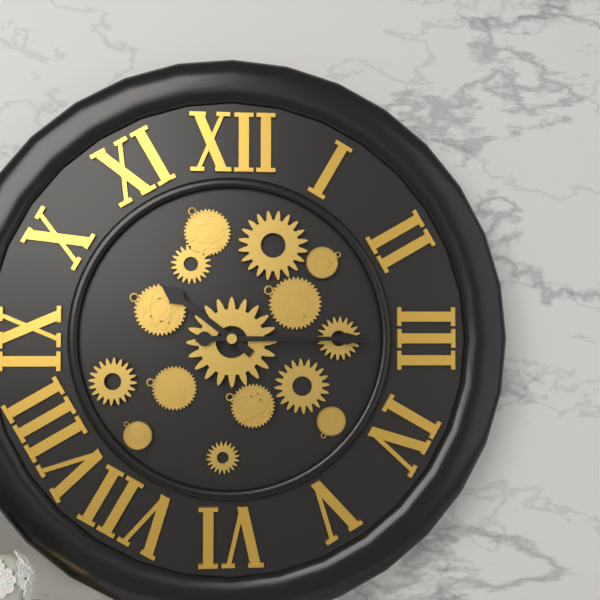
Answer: 10.15
